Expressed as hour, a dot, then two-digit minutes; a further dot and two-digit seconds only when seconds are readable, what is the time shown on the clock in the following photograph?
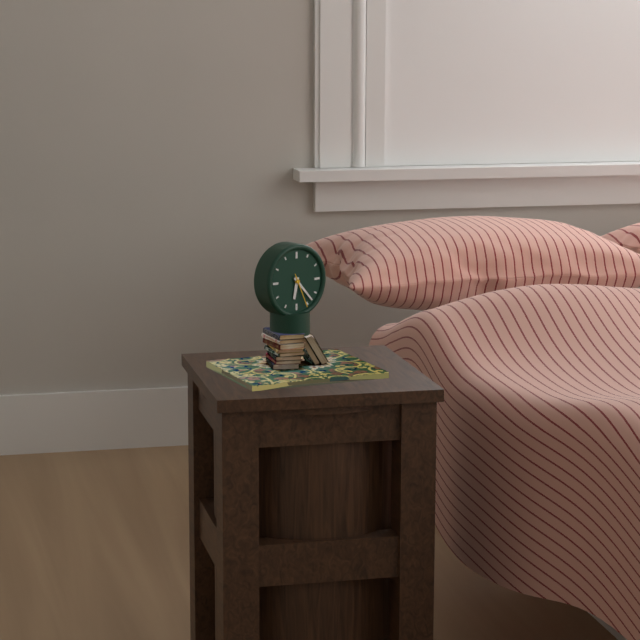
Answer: 6.23
